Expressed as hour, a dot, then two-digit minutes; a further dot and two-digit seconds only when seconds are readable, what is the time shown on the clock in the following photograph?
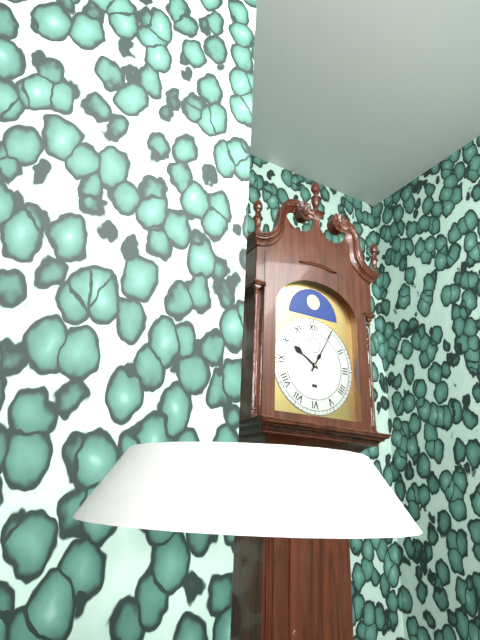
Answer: 10.05
